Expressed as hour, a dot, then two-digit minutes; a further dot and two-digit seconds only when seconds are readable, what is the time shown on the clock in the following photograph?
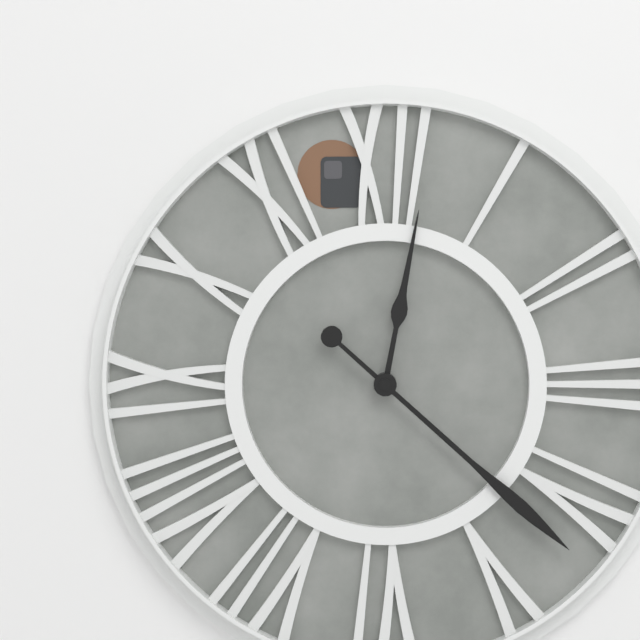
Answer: 12.22
